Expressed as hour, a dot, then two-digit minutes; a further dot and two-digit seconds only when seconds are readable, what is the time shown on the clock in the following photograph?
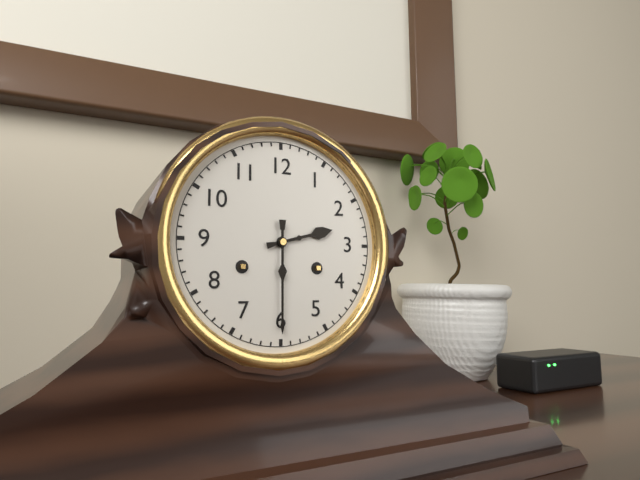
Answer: 2.30
